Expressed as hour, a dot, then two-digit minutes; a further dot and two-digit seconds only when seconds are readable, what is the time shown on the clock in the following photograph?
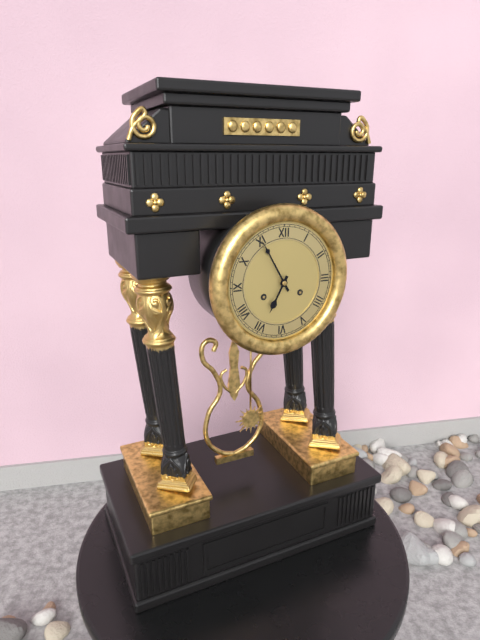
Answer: 6.55
